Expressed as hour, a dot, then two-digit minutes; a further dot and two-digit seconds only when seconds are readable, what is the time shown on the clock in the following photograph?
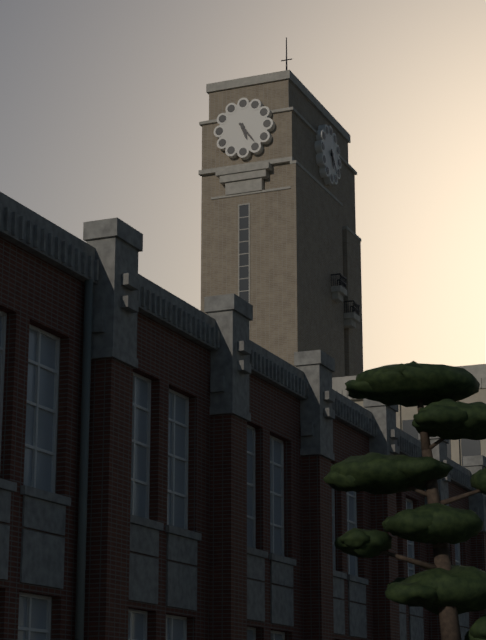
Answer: 5.24
